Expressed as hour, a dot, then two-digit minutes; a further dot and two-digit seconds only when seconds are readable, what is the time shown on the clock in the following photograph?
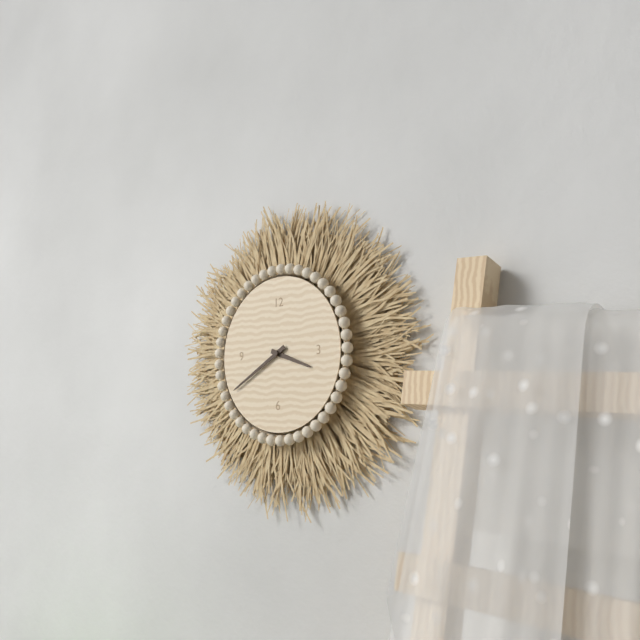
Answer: 3.40
